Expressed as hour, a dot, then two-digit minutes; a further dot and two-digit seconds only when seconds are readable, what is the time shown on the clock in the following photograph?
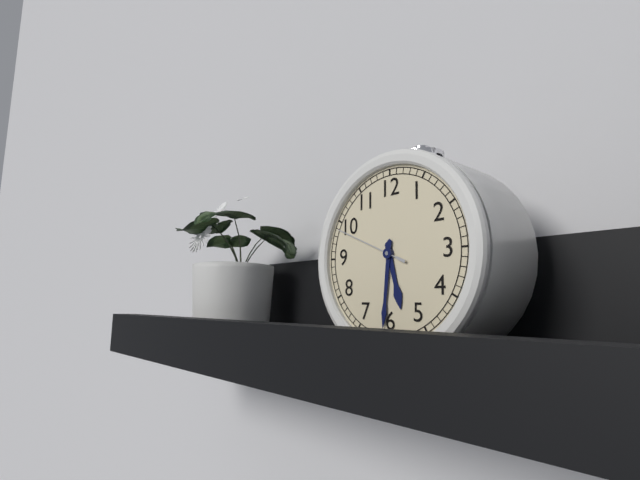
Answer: 5.31.49
